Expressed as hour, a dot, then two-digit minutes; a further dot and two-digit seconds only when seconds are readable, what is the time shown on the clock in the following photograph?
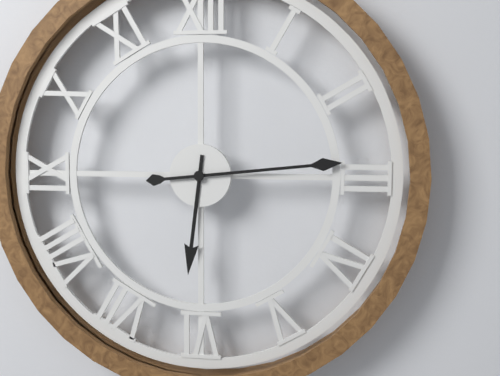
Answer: 6.14
